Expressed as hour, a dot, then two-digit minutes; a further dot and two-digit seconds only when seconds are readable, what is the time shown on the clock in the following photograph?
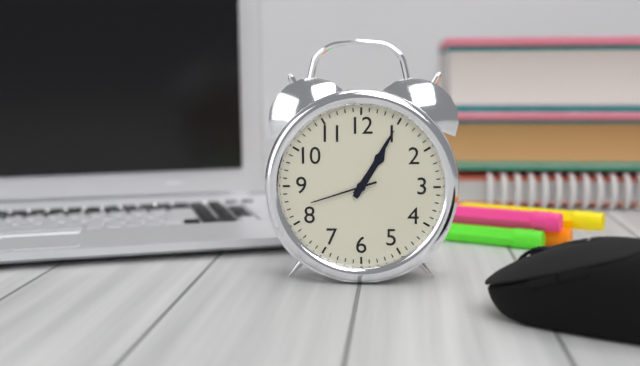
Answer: 1.05.42
